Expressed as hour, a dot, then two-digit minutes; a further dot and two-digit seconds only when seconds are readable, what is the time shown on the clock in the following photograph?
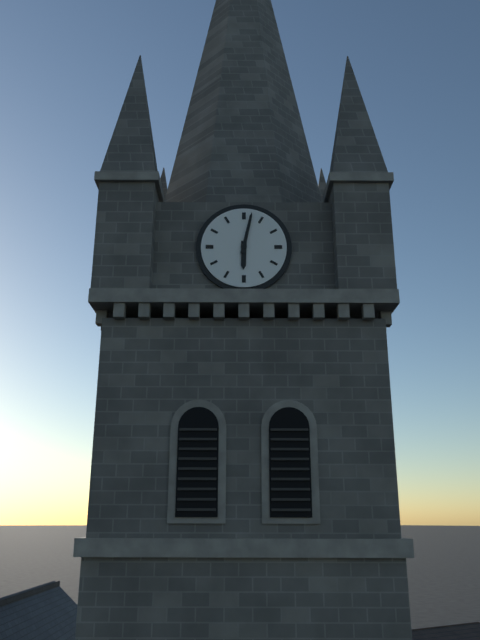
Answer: 6.02
